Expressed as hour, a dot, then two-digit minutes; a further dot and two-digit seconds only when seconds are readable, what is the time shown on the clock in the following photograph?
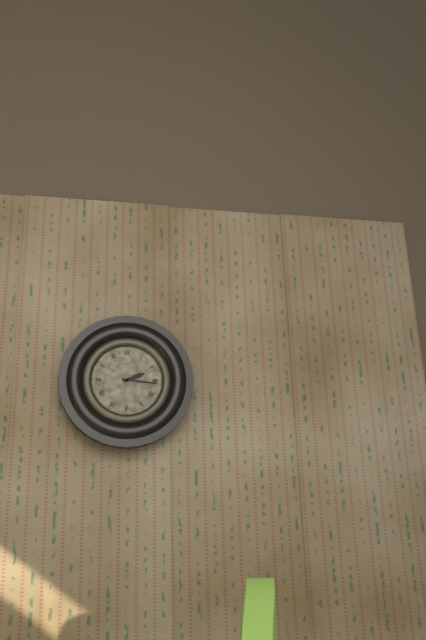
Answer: 2.16
